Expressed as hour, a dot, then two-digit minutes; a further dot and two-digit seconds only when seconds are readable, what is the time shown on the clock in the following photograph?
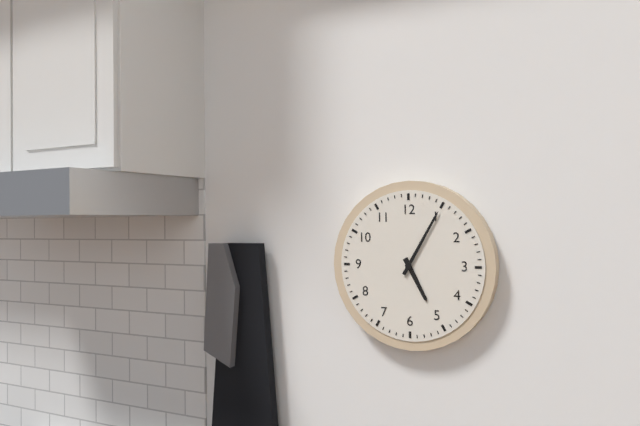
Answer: 5.05
